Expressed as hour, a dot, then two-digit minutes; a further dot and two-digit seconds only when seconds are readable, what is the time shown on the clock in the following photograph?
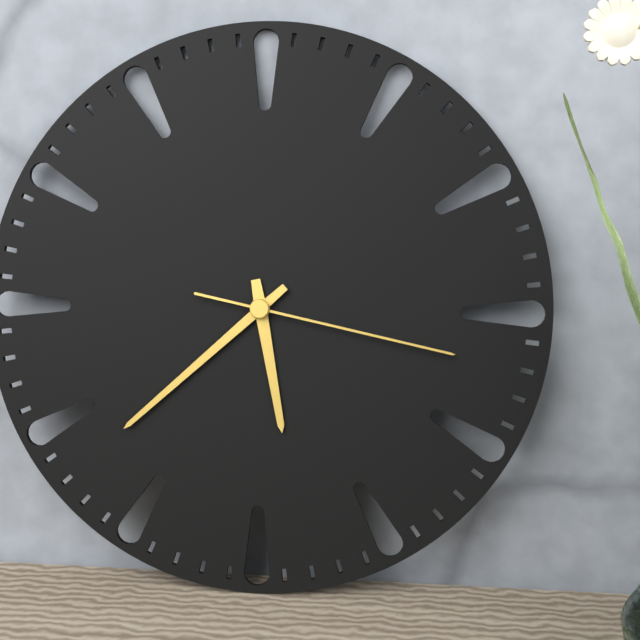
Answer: 5.38.17
